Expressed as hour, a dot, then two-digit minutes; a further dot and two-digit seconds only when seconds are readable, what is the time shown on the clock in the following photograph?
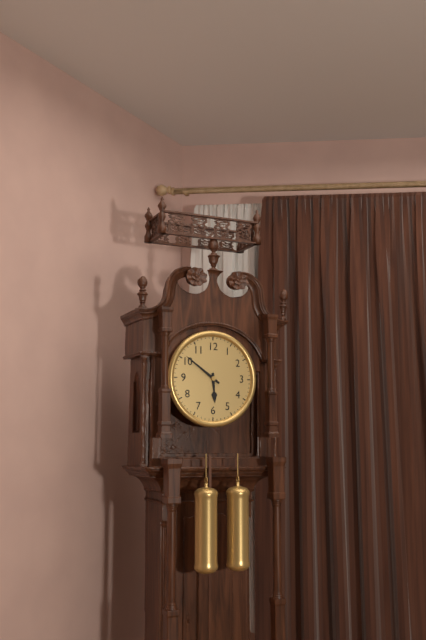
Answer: 5.51
